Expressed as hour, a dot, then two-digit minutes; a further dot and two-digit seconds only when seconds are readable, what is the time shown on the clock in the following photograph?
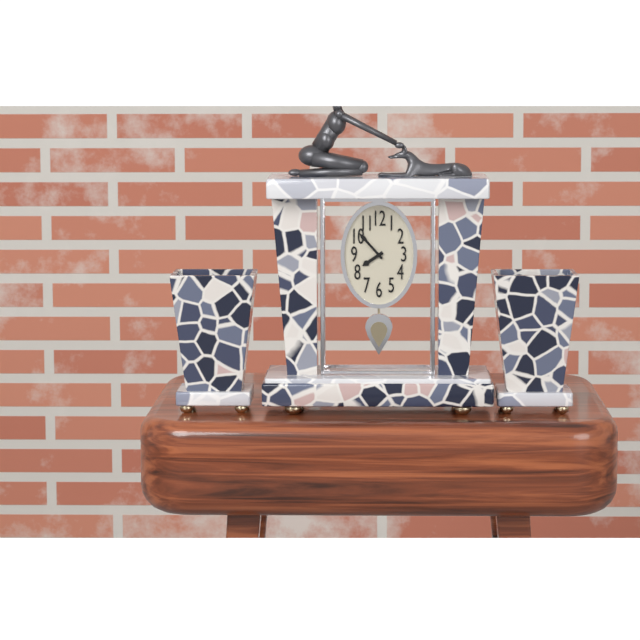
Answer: 7.53
